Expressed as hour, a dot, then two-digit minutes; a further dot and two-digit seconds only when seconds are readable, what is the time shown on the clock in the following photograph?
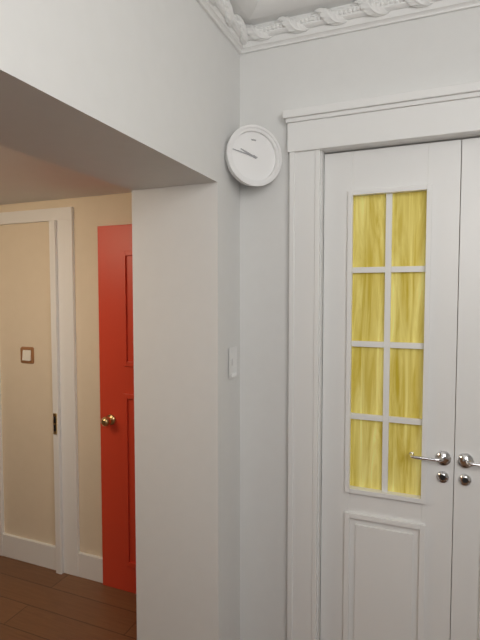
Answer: 9.47
